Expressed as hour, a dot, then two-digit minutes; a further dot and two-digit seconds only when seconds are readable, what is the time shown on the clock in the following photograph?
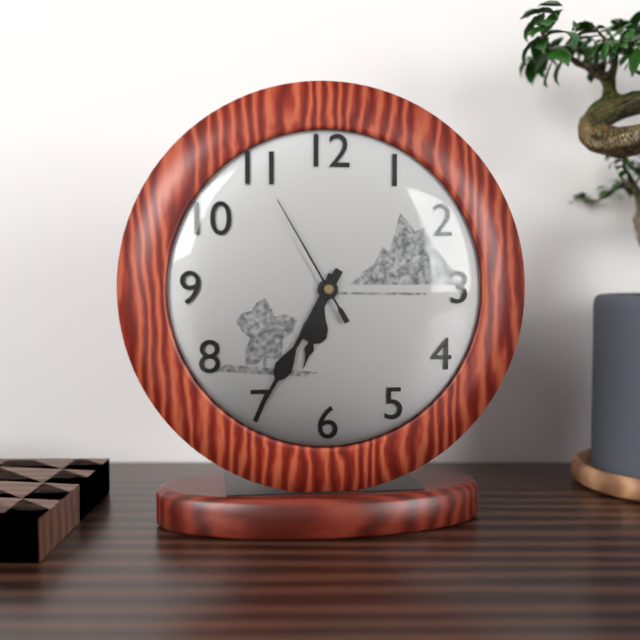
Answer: 6.35.55
